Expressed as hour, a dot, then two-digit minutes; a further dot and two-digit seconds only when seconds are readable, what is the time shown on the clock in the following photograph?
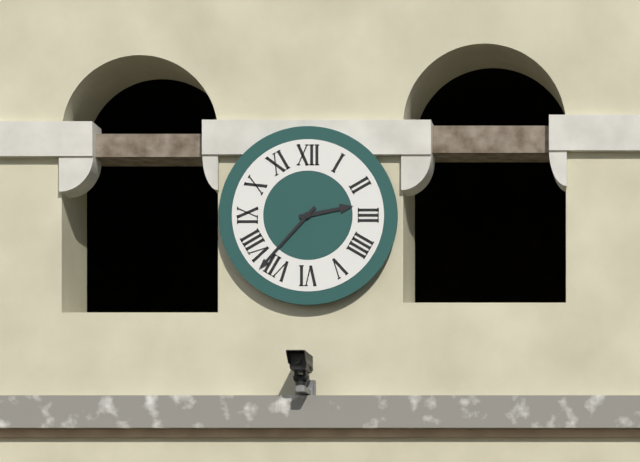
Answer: 2.37
